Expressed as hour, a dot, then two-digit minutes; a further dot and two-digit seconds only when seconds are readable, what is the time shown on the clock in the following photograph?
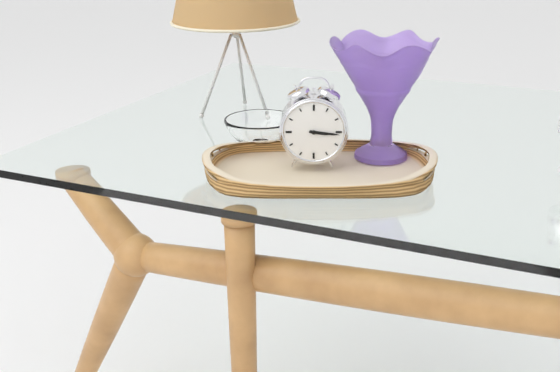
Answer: 3.16
